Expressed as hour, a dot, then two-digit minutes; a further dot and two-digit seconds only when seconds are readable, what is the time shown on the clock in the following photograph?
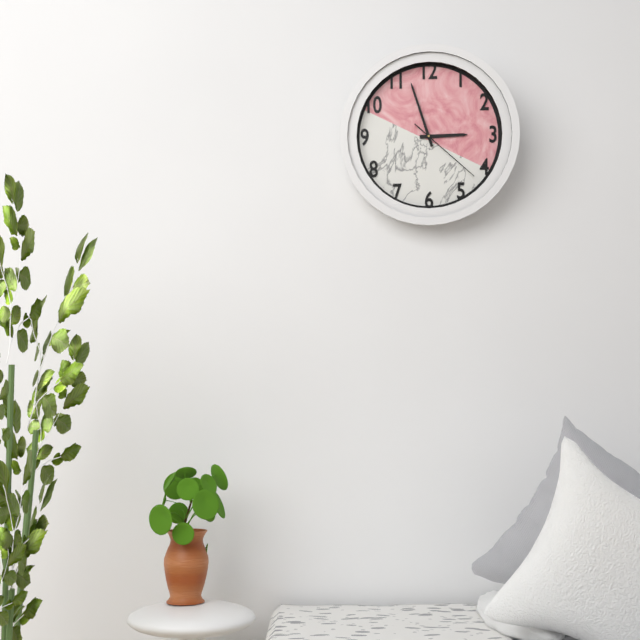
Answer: 2.57.22
